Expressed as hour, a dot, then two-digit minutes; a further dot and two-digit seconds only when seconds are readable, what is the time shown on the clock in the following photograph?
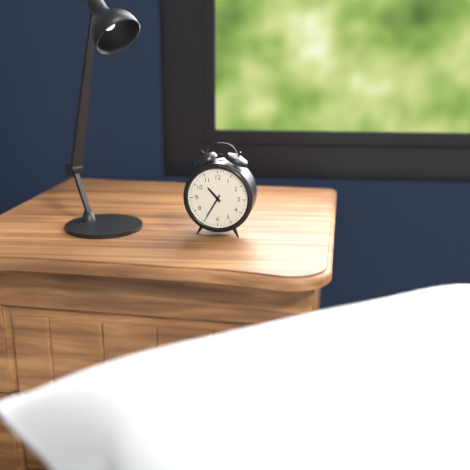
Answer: 10.35
